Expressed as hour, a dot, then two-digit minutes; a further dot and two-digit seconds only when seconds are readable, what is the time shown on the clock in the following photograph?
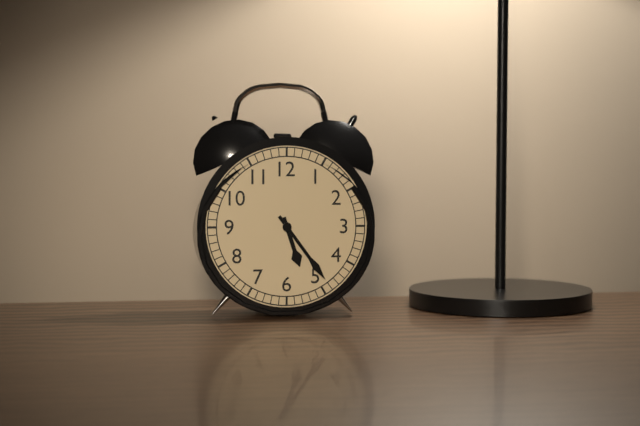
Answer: 5.24
